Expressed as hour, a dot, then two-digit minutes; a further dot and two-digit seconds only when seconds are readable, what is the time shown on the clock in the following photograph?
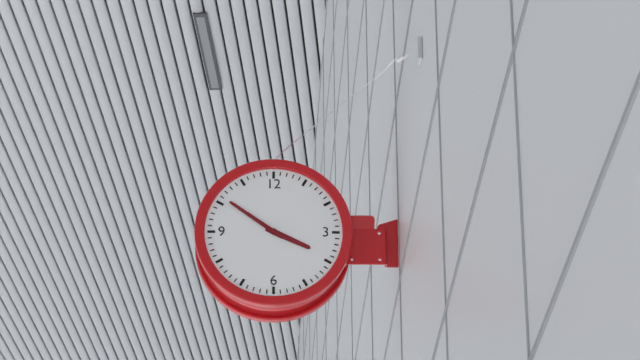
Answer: 3.51
